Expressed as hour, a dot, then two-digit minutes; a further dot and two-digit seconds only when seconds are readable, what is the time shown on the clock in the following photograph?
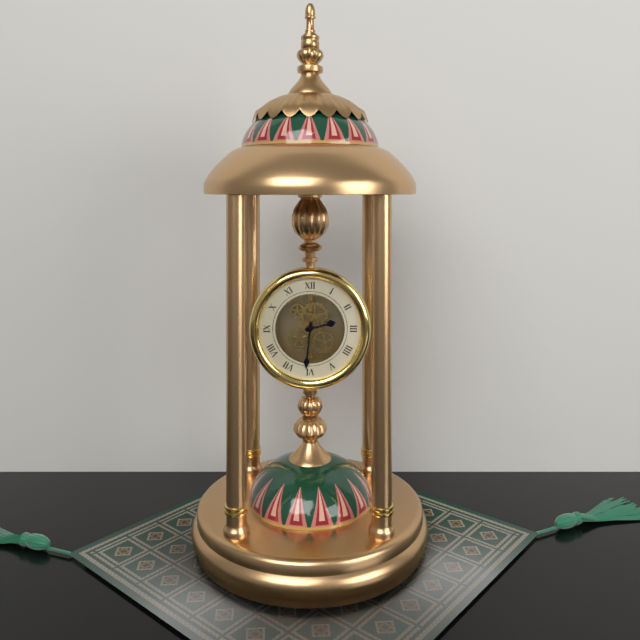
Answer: 2.31
